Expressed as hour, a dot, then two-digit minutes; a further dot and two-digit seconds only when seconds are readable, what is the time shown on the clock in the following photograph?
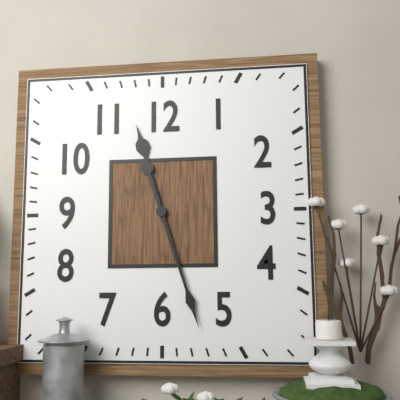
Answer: 11.27
